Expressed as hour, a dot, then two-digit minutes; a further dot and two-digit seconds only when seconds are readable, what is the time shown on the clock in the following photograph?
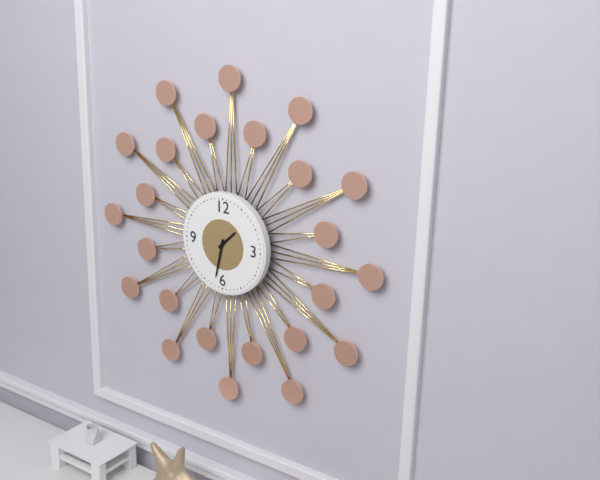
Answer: 1.32
